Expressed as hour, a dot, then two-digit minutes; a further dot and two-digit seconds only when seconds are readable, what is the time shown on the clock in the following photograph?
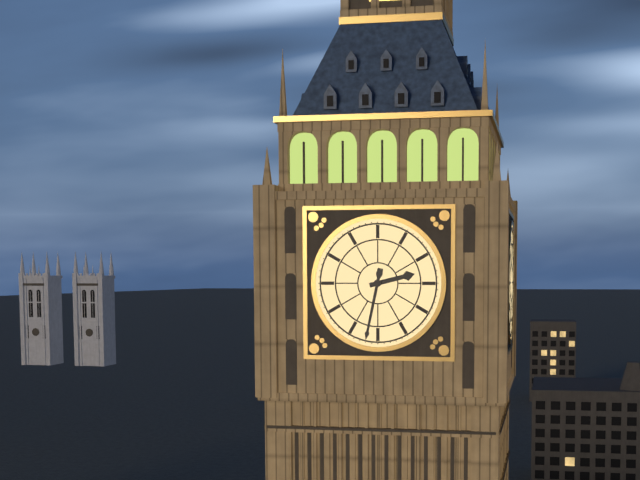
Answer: 2.32
